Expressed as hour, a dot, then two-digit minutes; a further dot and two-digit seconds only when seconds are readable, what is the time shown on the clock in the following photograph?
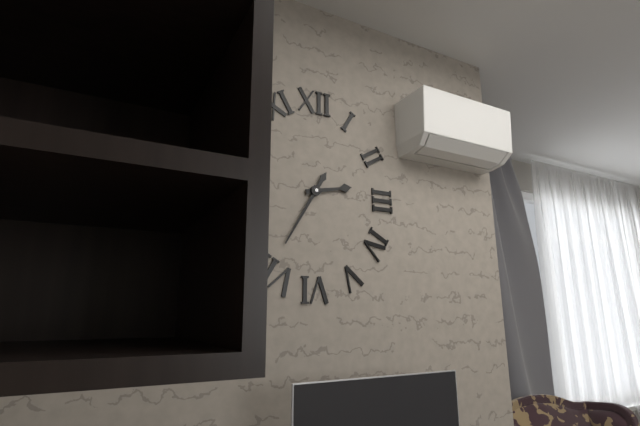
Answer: 2.35
